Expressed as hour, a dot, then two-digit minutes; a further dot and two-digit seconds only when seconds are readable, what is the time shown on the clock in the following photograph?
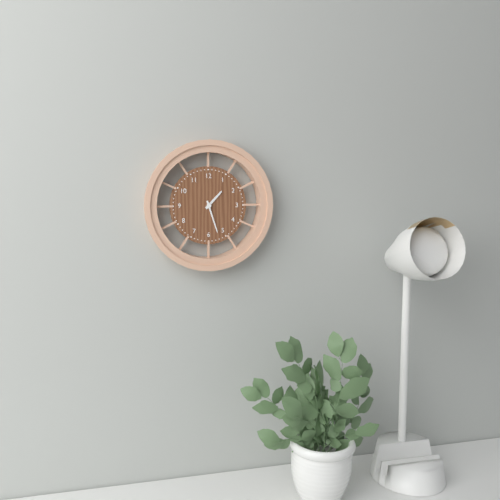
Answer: 1.27
